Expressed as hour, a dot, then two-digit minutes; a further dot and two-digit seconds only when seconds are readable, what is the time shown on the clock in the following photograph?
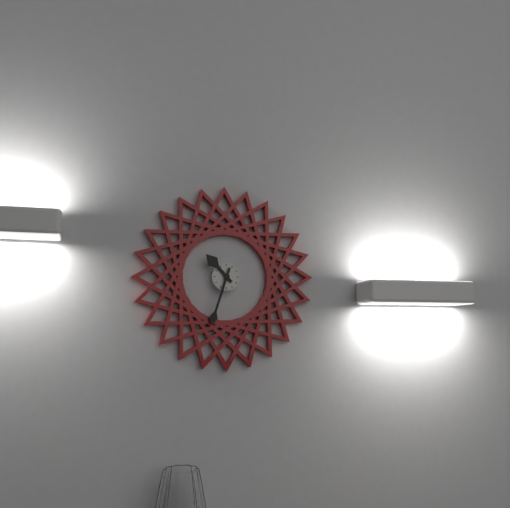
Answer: 10.33
